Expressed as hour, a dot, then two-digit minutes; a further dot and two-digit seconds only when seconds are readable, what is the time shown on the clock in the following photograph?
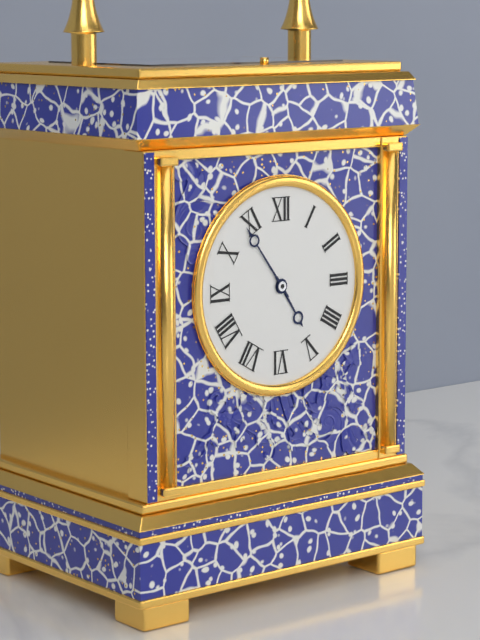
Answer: 4.54
